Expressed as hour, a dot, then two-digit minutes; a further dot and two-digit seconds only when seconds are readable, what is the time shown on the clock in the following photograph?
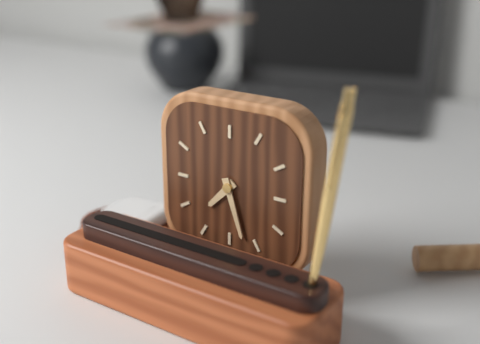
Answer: 7.27
